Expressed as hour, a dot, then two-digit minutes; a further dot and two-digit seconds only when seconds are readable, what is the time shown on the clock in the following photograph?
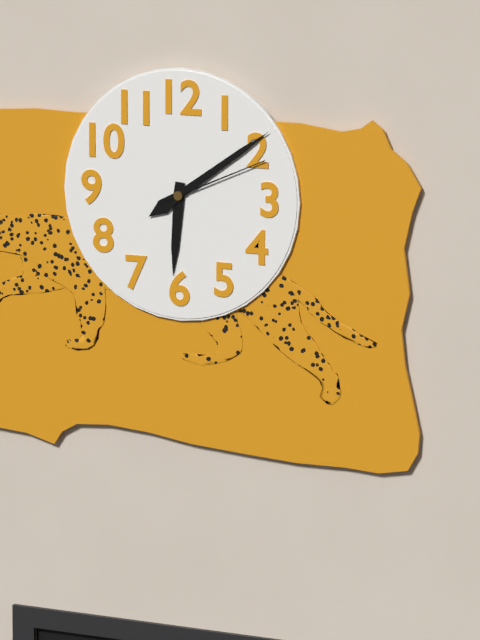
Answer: 6.09.11
